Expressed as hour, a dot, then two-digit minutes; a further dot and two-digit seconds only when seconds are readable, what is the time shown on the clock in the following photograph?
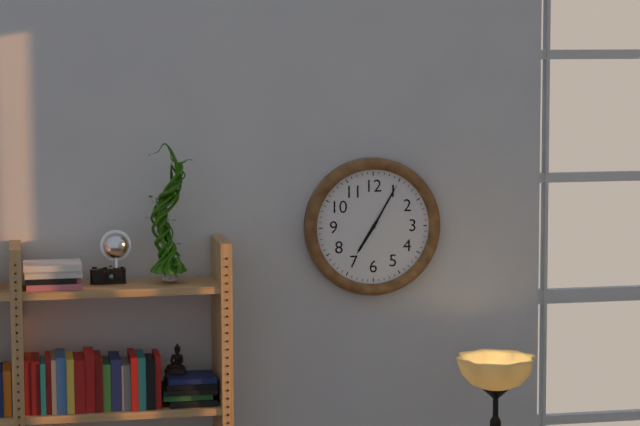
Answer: 7.05
